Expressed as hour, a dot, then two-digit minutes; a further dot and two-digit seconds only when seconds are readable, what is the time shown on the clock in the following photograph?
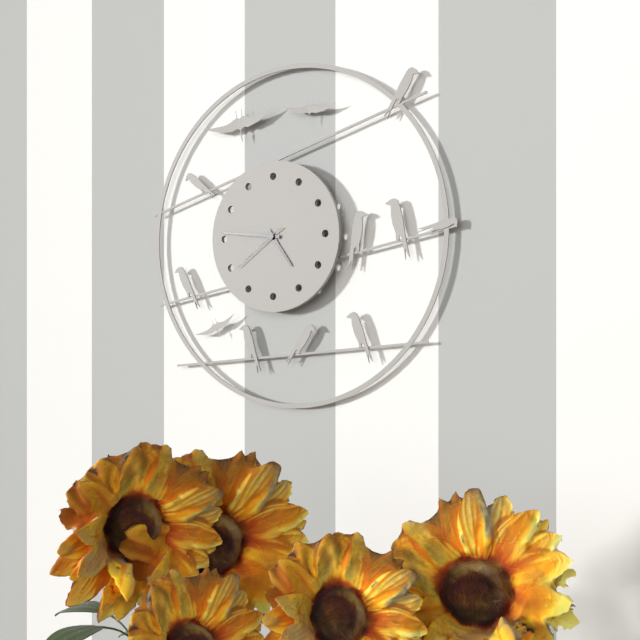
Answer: 4.46.39
